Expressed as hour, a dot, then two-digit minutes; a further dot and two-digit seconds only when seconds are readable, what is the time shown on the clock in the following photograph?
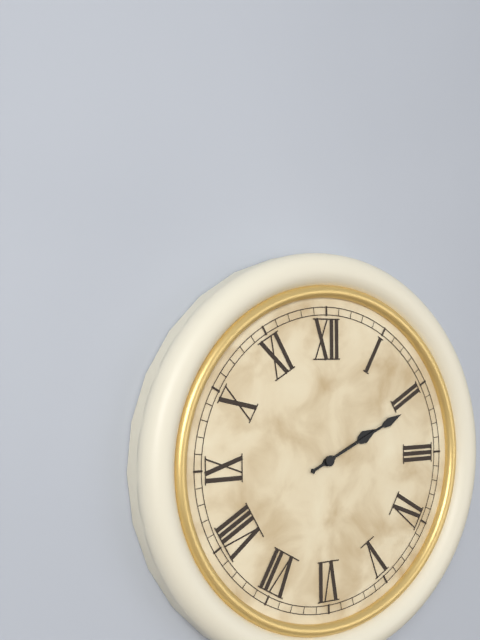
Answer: 2.11
